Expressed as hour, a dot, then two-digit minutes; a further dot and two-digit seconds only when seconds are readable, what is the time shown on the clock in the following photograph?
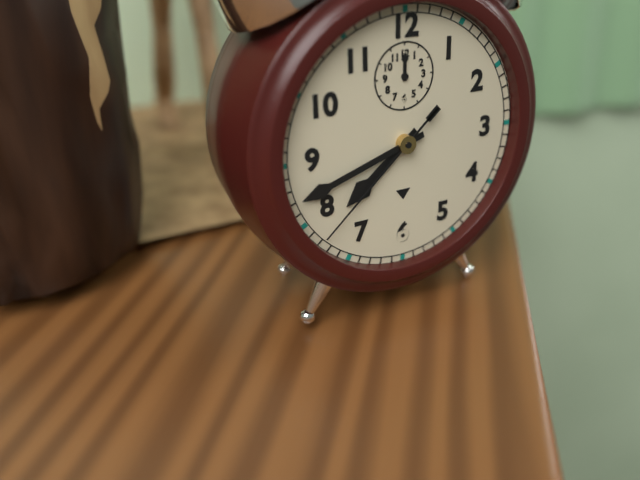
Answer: 7.42.38
